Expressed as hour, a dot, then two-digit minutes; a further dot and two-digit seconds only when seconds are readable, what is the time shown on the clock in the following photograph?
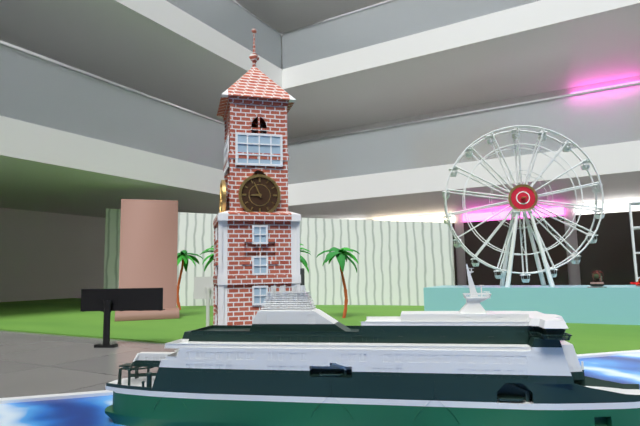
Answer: 8.56
